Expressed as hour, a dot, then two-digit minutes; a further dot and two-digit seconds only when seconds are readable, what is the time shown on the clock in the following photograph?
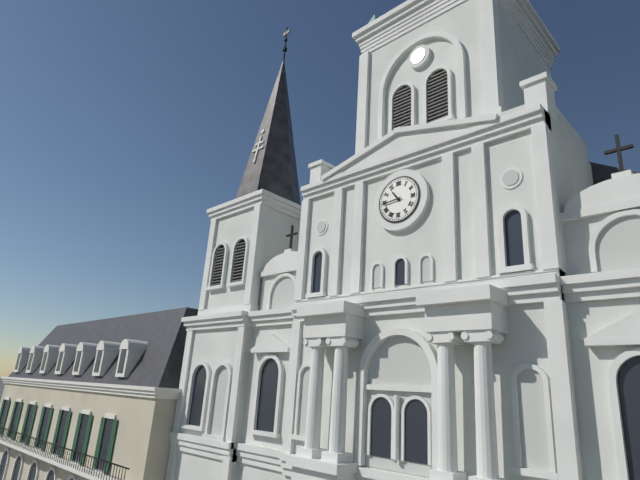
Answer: 10.44
